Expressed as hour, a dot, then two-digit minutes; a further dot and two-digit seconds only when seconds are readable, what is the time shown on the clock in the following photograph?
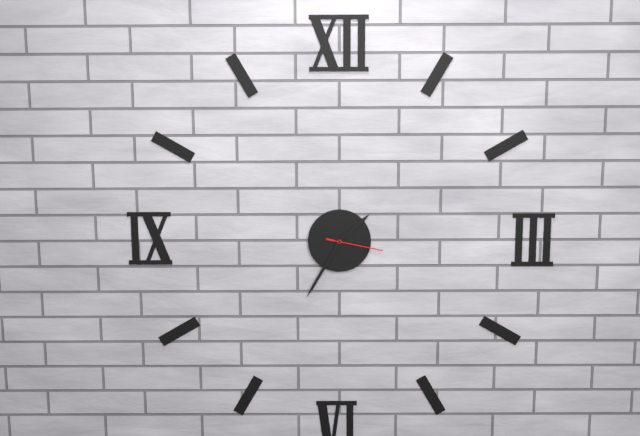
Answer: 1.35.17
